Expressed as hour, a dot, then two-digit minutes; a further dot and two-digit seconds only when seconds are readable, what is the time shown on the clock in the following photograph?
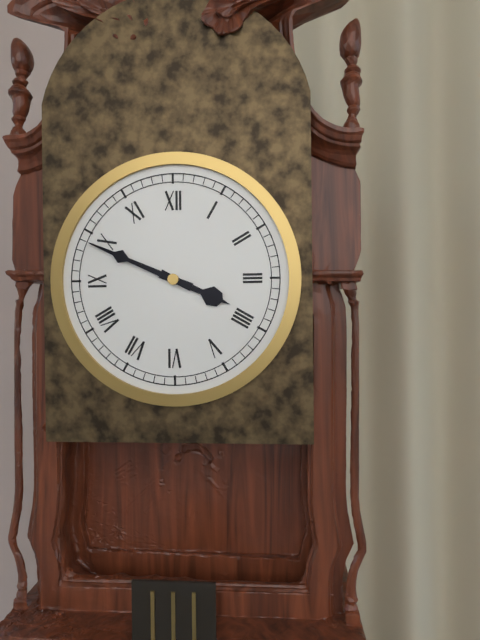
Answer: 3.49
